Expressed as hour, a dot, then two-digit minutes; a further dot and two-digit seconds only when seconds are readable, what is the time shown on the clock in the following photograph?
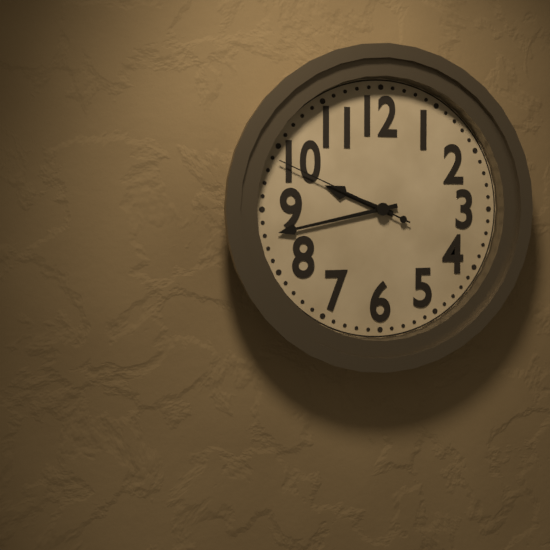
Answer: 9.43.49
